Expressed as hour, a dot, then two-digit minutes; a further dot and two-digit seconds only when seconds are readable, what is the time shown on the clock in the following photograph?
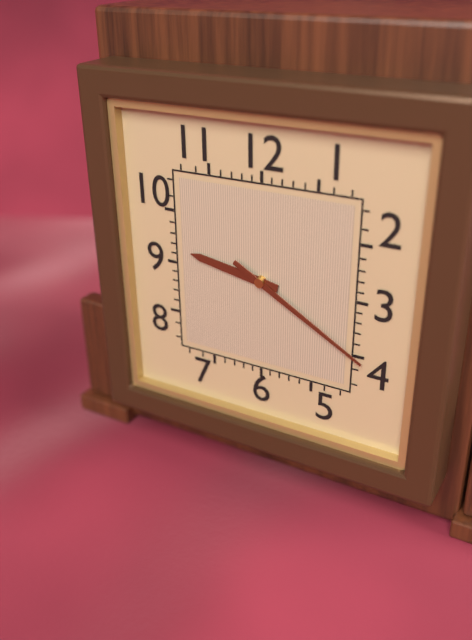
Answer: 9.20
